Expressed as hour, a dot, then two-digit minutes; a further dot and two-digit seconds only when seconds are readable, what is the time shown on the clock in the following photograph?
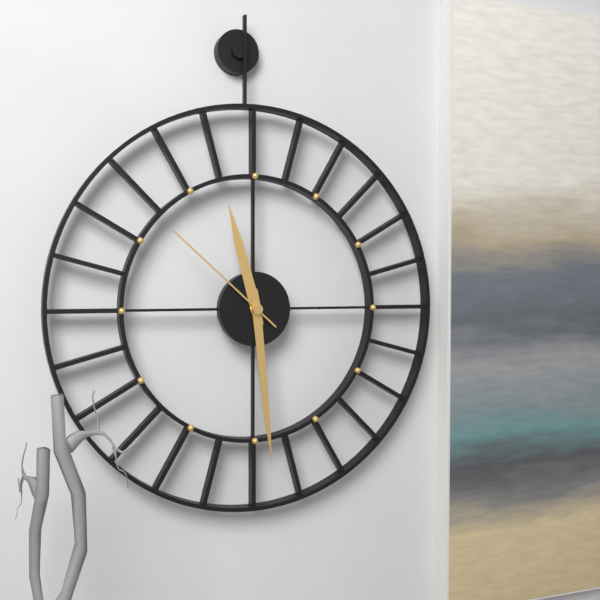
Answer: 11.29.52
